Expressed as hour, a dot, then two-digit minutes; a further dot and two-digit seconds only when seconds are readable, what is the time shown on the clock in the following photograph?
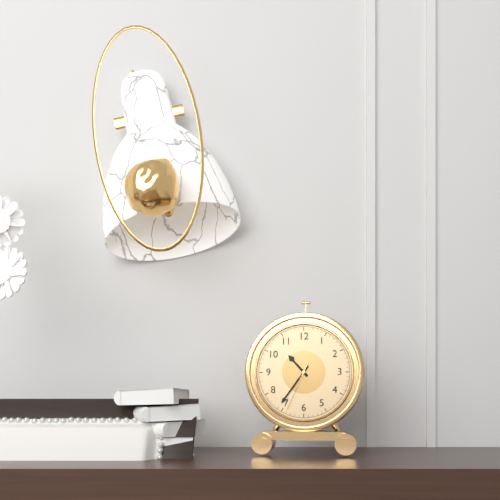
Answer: 10.36.34
